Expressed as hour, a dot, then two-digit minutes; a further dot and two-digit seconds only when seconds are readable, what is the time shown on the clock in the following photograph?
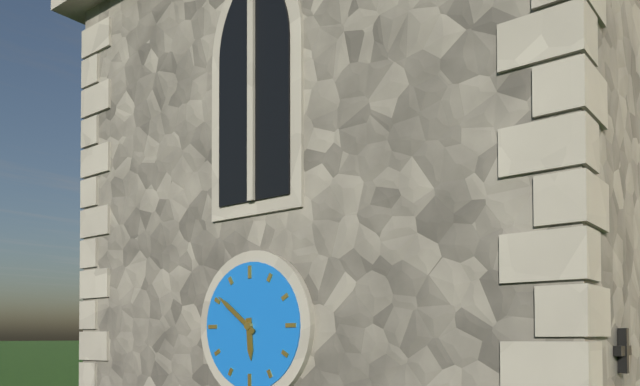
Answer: 5.51
